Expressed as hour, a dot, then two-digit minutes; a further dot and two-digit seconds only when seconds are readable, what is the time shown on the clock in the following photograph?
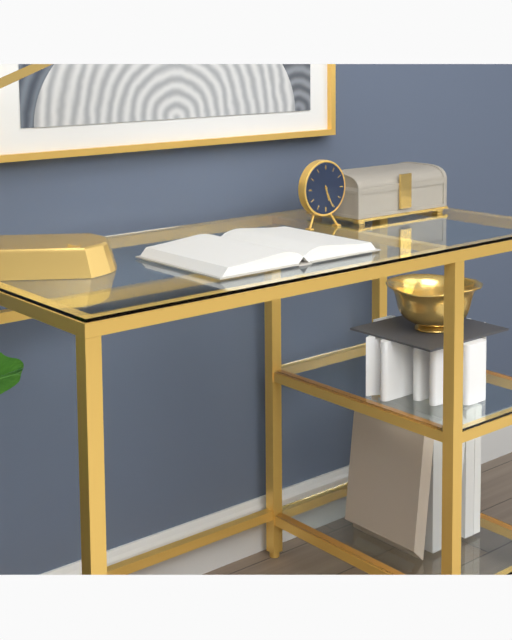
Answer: 5.26
